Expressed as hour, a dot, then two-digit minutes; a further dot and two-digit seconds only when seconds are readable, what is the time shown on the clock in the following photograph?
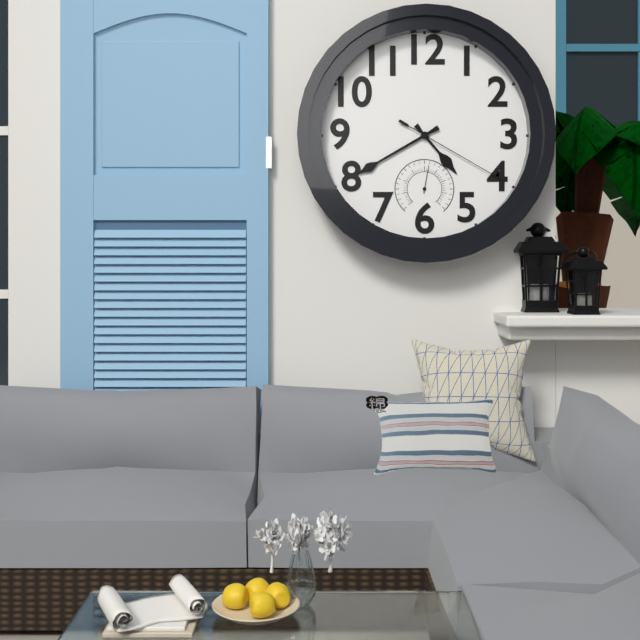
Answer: 4.40.20
